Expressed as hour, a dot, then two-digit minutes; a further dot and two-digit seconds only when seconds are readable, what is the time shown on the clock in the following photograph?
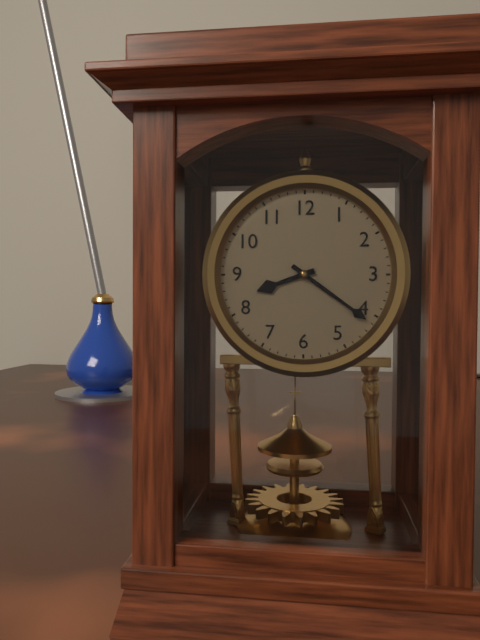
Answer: 8.21
